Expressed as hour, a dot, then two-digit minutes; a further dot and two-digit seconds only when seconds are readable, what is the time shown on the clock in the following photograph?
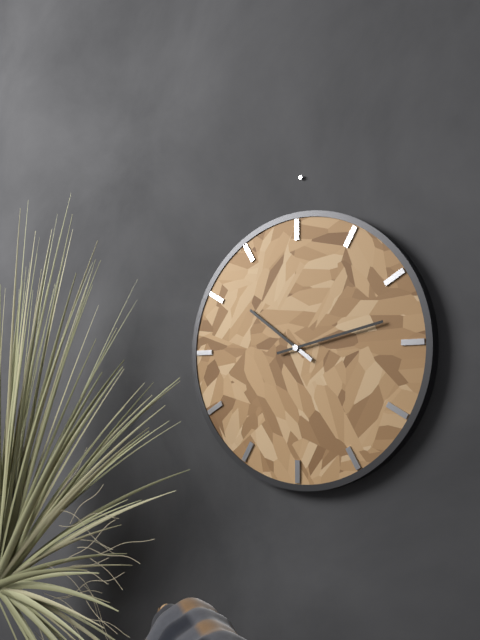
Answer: 10.13
